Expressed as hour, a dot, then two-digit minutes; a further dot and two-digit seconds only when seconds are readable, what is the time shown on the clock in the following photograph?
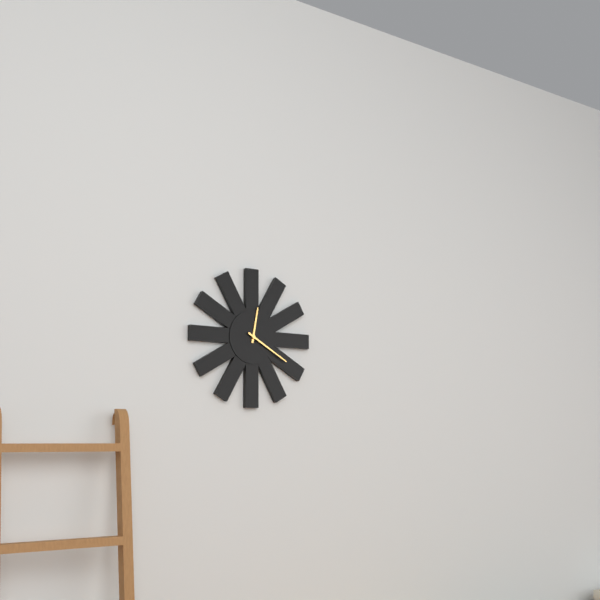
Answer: 12.20
